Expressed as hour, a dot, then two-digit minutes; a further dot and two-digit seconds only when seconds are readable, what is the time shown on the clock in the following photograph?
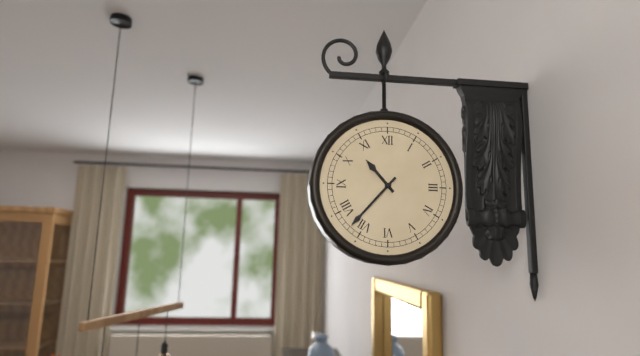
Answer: 10.37
